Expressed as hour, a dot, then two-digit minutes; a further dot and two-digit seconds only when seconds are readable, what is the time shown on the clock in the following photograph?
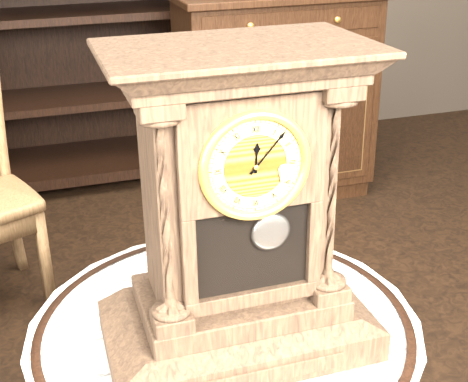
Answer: 12.07
